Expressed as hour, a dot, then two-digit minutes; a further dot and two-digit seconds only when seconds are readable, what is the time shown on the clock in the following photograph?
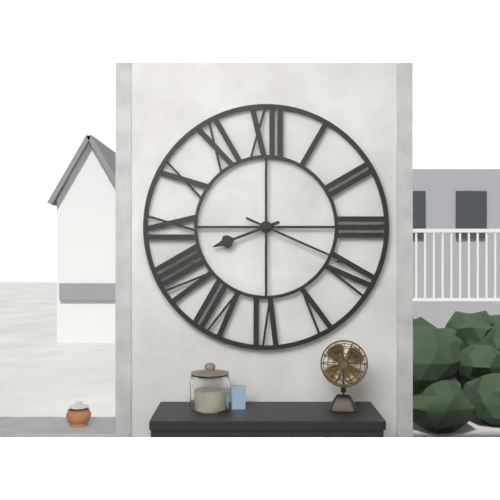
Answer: 8.19
